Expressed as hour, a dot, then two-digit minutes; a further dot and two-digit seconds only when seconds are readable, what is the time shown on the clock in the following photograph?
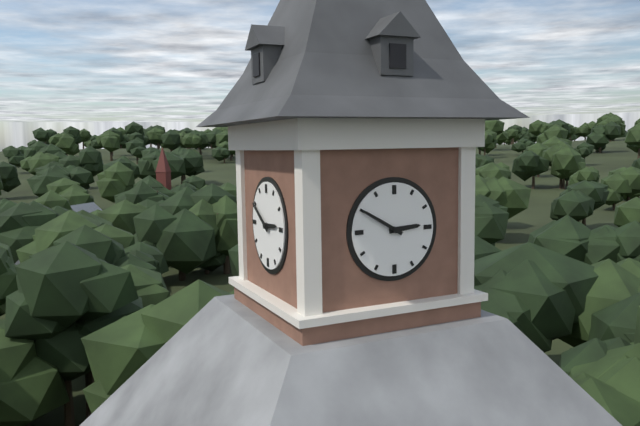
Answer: 2.50
